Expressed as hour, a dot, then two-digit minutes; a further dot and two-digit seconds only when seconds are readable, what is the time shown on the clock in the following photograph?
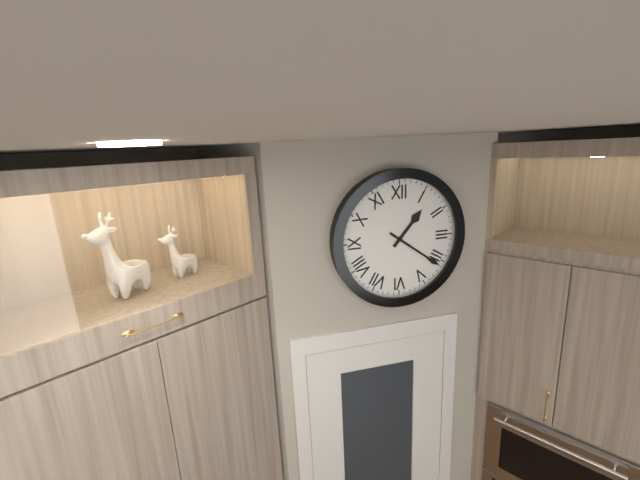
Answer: 1.21
